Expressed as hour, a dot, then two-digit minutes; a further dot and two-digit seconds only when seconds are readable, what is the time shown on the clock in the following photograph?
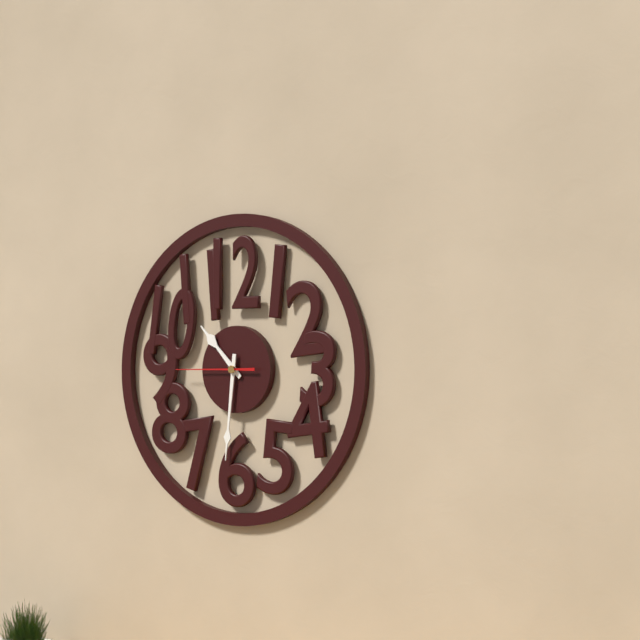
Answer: 10.31.45
